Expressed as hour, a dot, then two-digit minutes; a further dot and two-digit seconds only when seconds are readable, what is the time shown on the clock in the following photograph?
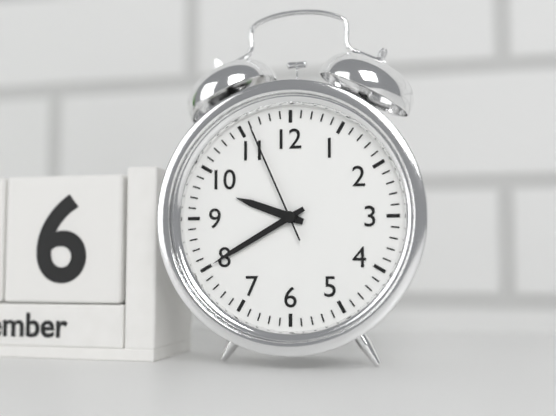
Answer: 9.40.56
